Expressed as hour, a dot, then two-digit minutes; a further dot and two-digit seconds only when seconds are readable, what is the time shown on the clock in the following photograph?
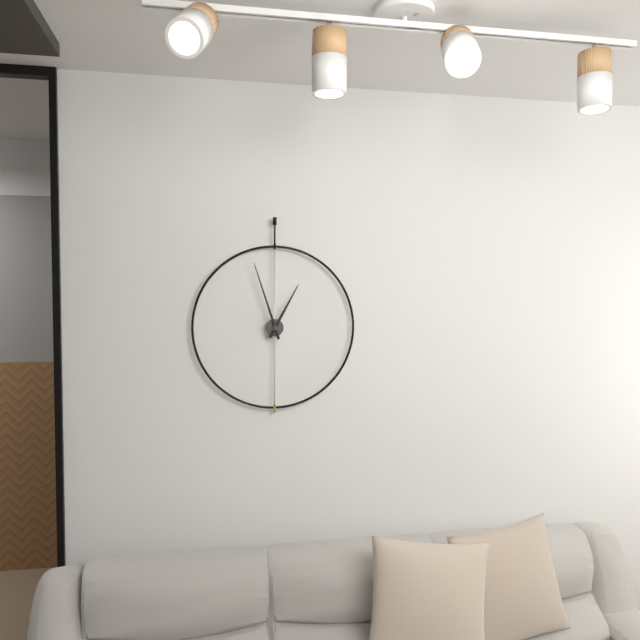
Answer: 12.57
